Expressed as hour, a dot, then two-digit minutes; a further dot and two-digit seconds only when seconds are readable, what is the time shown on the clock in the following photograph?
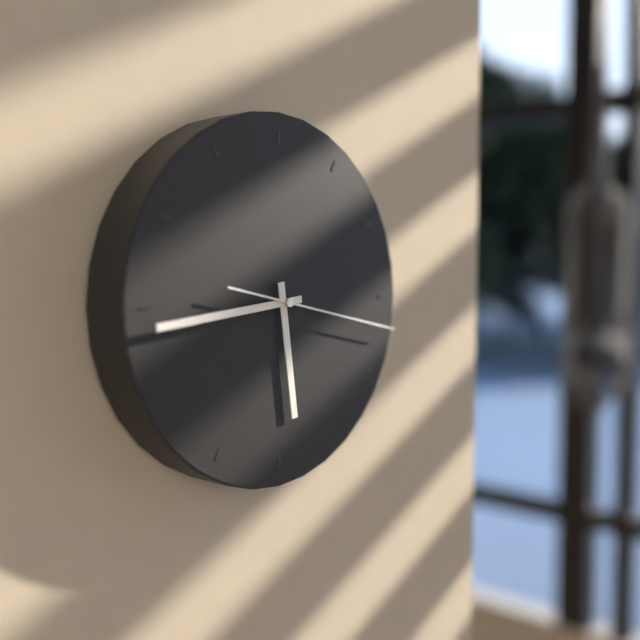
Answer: 5.44.17
